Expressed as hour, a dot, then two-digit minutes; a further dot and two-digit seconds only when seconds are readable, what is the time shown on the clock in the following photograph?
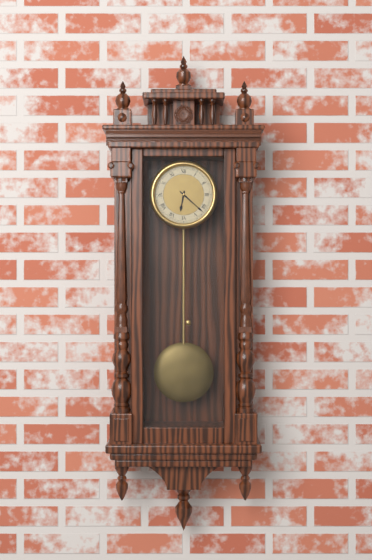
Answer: 6.22
